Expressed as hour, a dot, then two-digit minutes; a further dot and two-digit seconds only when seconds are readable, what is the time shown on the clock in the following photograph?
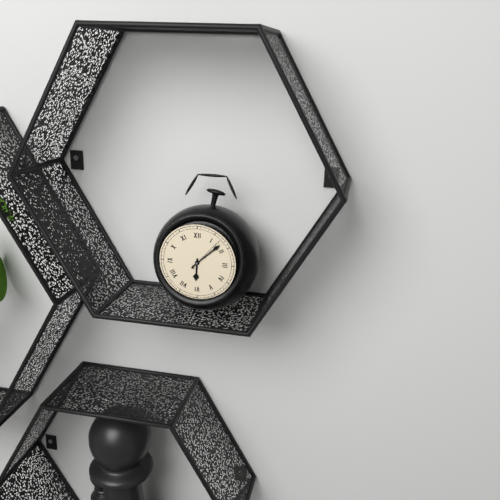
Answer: 6.08
